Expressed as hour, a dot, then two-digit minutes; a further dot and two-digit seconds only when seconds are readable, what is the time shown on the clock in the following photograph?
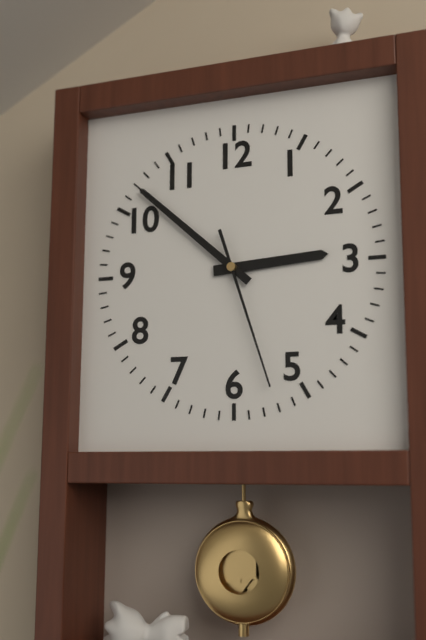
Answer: 2.52.27
